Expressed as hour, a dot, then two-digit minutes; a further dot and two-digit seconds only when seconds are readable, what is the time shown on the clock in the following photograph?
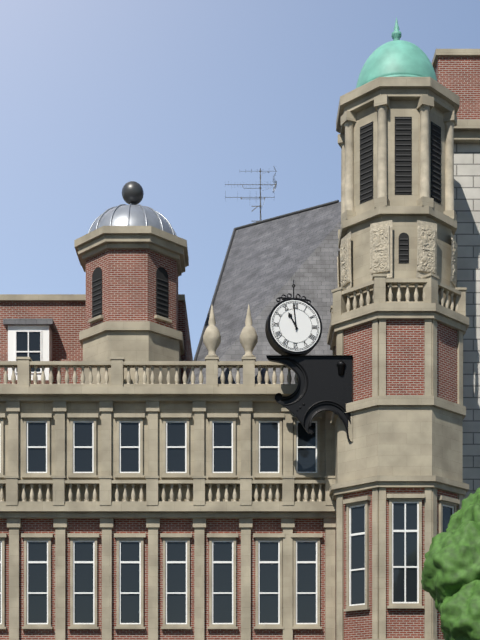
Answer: 10.59
